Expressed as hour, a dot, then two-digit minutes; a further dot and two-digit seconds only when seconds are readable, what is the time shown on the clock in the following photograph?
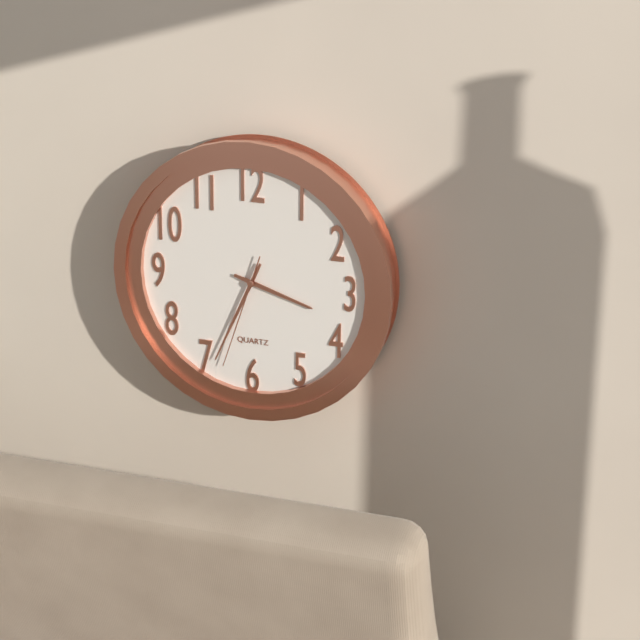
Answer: 3.34.33
